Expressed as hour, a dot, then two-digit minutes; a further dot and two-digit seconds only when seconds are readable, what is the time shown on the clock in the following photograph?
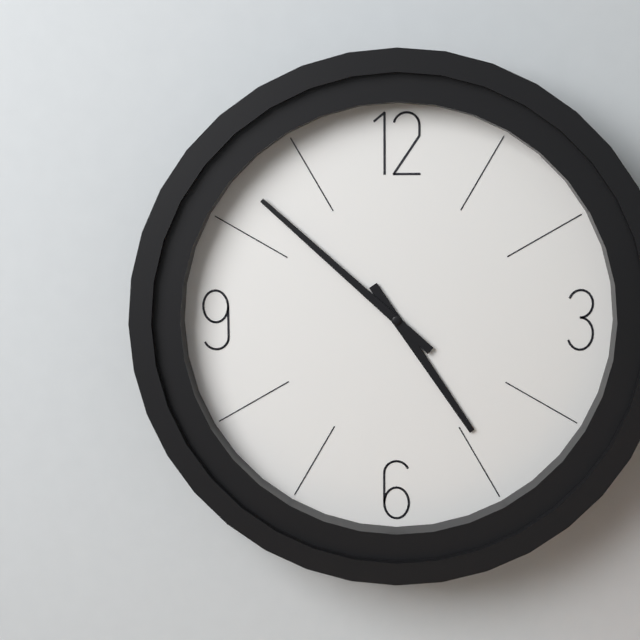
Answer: 4.52
